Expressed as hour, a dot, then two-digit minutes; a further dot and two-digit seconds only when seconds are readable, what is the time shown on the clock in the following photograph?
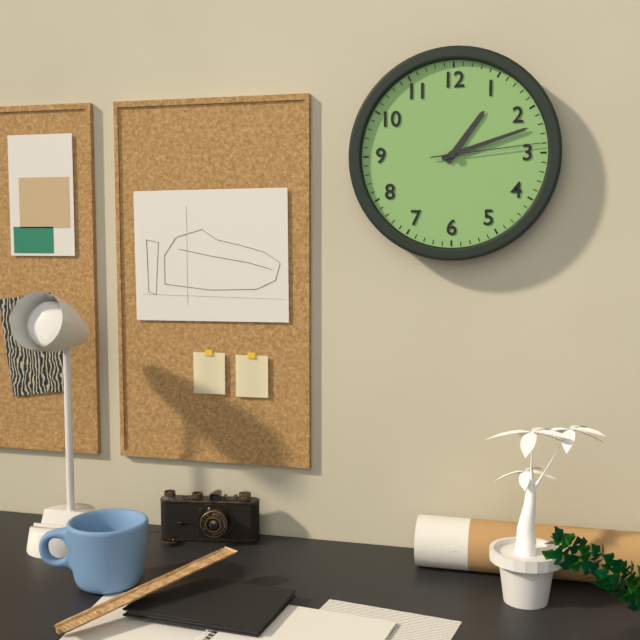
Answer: 1.12.14
